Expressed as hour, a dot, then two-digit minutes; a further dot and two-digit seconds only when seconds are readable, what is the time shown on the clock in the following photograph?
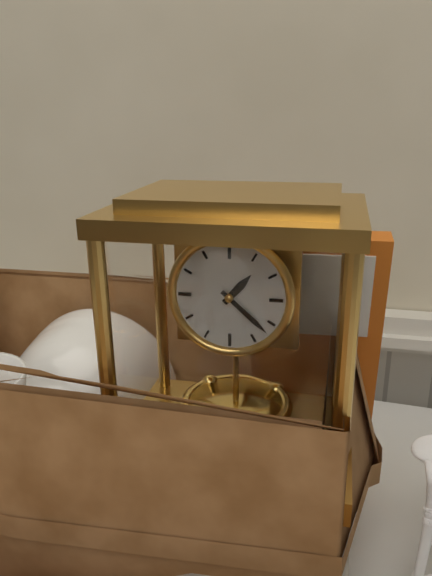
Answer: 1.22
